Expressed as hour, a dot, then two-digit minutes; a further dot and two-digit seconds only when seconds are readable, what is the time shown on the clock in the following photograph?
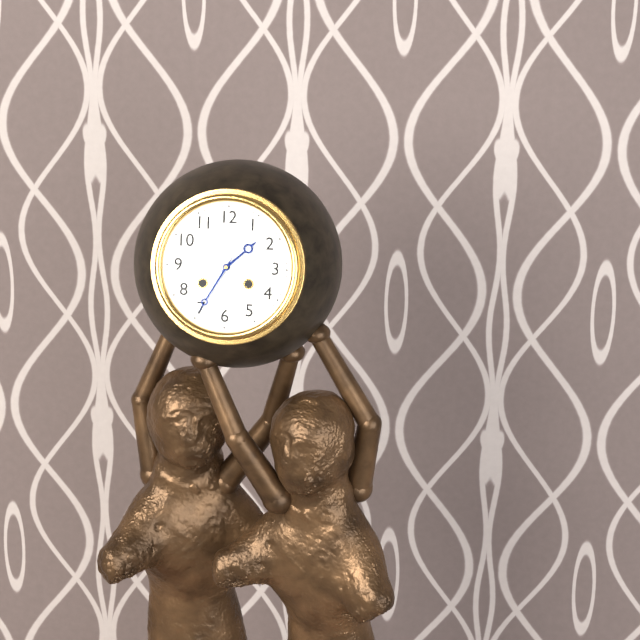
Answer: 1.35
